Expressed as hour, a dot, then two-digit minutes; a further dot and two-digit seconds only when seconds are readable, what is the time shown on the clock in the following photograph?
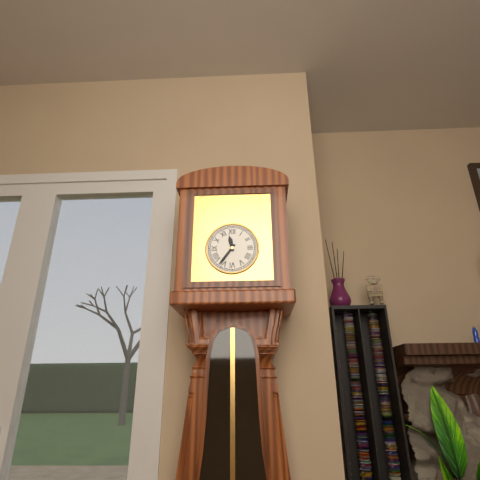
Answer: 11.36
